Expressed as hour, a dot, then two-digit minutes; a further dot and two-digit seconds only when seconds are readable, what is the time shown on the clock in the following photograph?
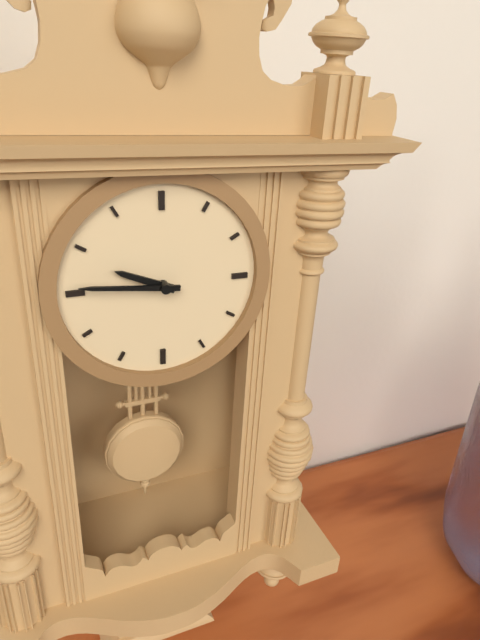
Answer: 9.46
